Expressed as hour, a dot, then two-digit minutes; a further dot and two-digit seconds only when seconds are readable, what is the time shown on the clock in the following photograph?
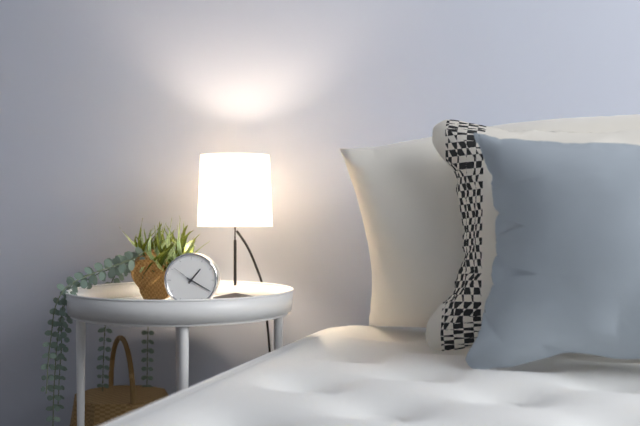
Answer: 1.20
